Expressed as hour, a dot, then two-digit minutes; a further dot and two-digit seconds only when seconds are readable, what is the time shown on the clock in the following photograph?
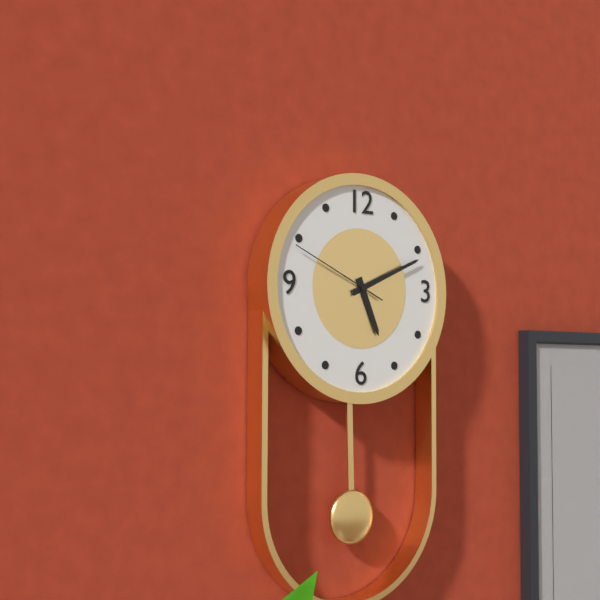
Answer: 5.11.49
